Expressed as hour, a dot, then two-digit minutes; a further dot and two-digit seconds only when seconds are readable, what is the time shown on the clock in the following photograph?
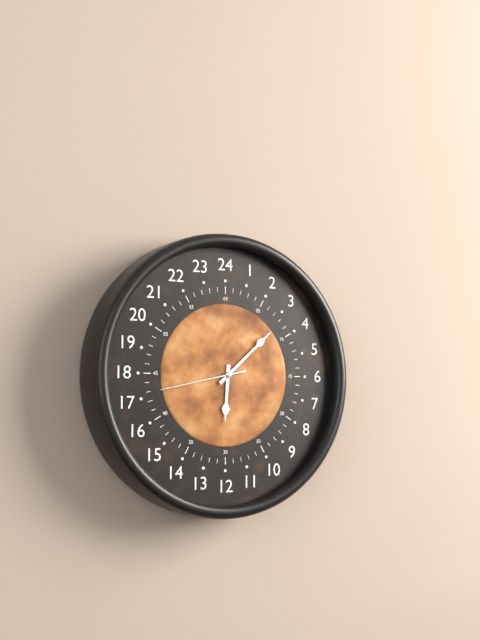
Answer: 6.08.43
